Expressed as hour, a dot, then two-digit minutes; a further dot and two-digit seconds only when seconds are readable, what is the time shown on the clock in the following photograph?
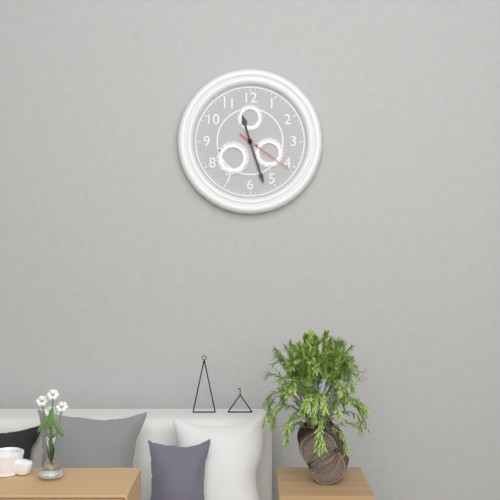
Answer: 11.27.21
